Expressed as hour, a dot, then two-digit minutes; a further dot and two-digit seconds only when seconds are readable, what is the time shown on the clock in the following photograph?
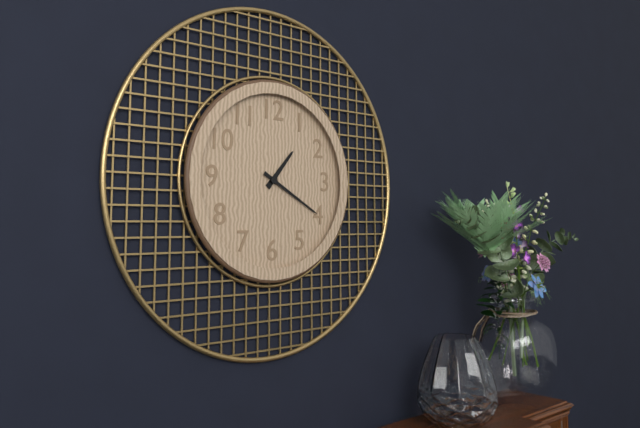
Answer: 1.20
